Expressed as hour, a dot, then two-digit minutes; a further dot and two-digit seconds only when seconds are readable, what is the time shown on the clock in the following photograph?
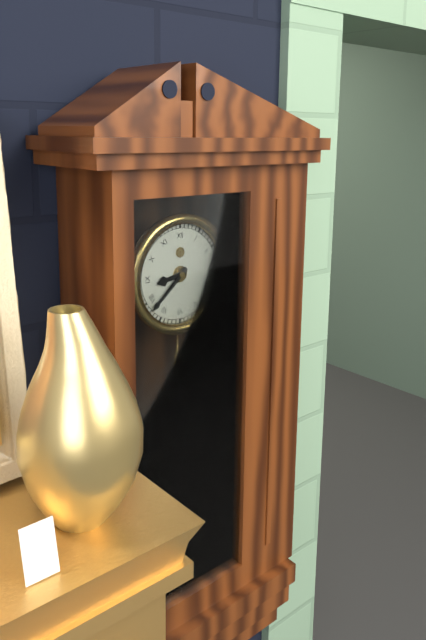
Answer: 8.38
